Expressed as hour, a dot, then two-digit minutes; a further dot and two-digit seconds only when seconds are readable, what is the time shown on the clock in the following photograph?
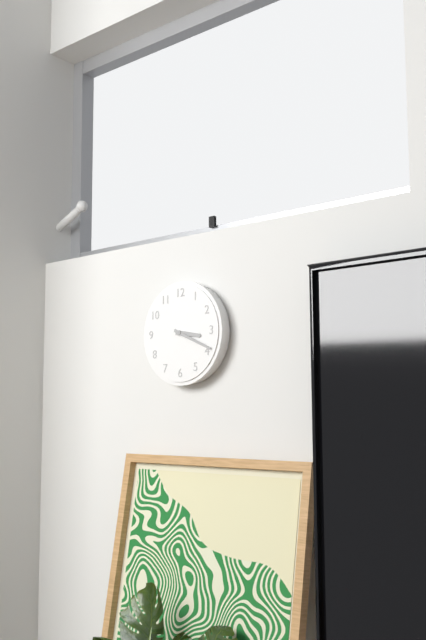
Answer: 3.19
